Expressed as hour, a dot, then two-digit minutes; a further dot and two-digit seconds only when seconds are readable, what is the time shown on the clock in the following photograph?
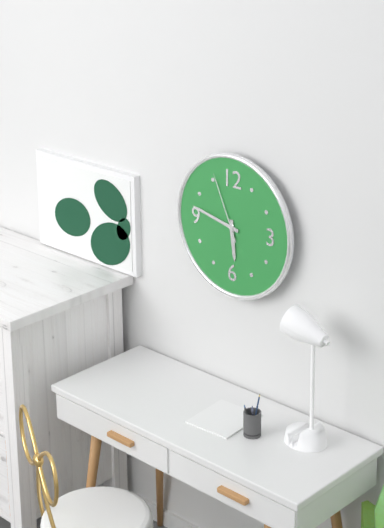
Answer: 5.47.56
